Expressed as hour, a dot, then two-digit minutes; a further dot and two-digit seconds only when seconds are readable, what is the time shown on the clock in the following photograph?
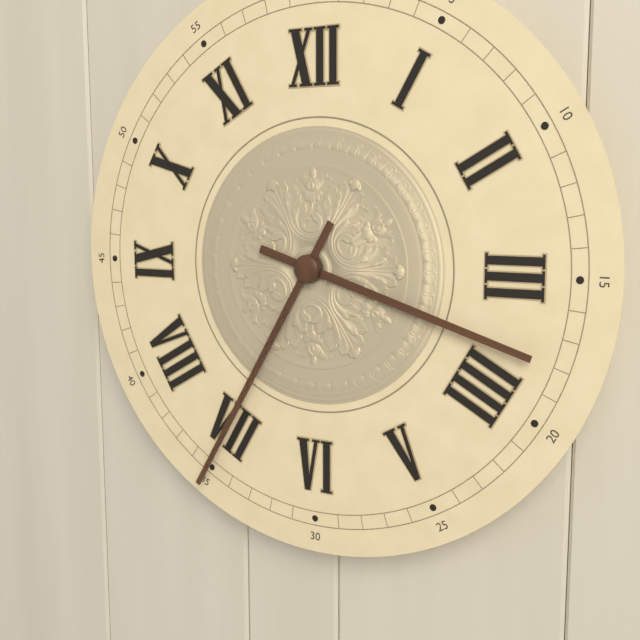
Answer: 3.35
